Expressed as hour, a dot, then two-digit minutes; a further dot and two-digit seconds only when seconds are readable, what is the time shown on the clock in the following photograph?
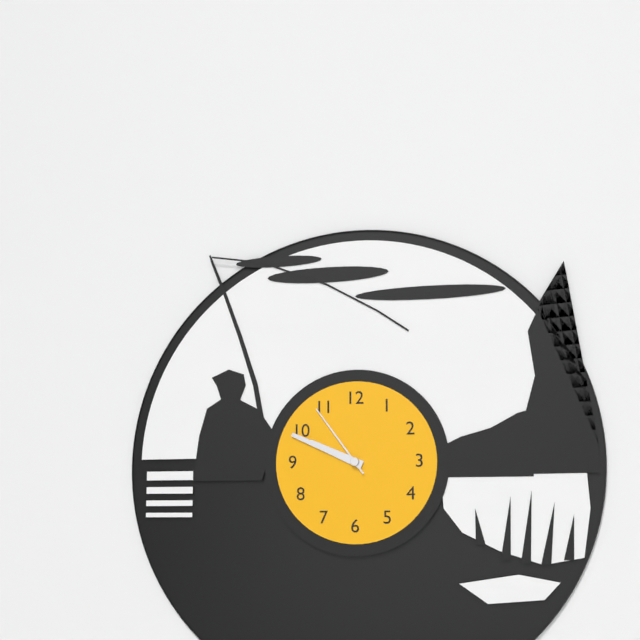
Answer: 9.49.54
